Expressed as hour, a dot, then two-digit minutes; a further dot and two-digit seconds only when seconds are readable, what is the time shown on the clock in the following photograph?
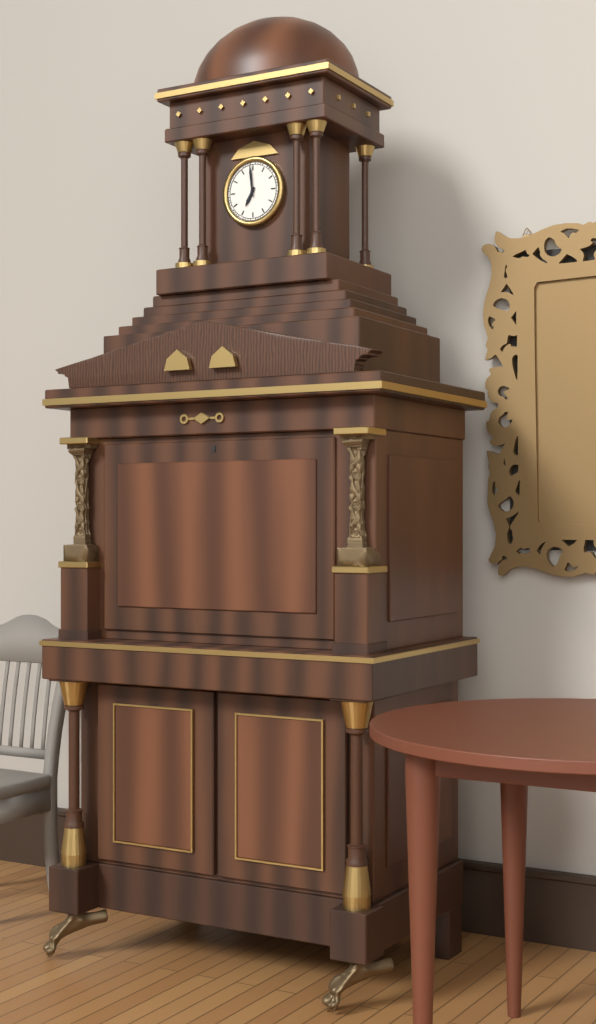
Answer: 6.59
